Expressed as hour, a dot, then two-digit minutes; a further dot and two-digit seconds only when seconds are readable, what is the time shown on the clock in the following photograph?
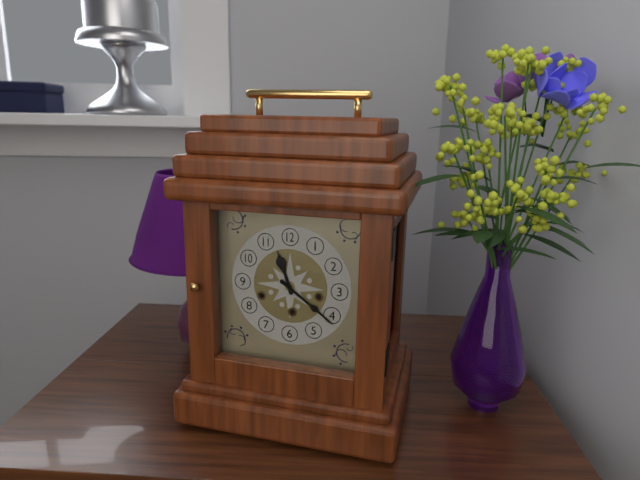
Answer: 11.21
